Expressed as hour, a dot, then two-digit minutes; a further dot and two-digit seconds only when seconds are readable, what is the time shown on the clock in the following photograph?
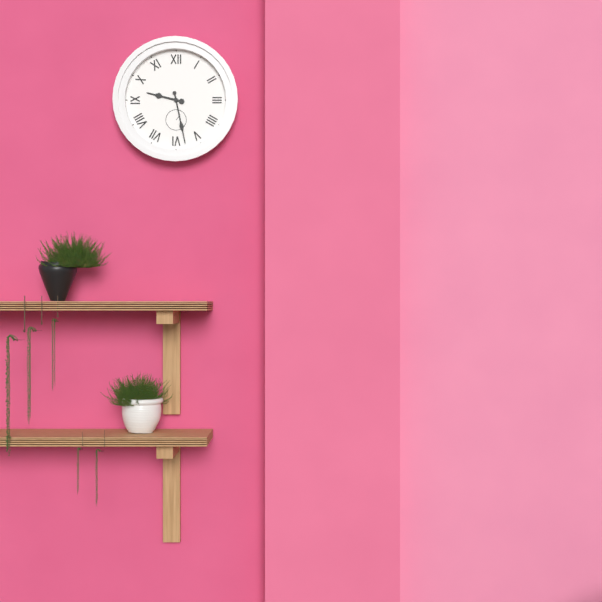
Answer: 9.28
